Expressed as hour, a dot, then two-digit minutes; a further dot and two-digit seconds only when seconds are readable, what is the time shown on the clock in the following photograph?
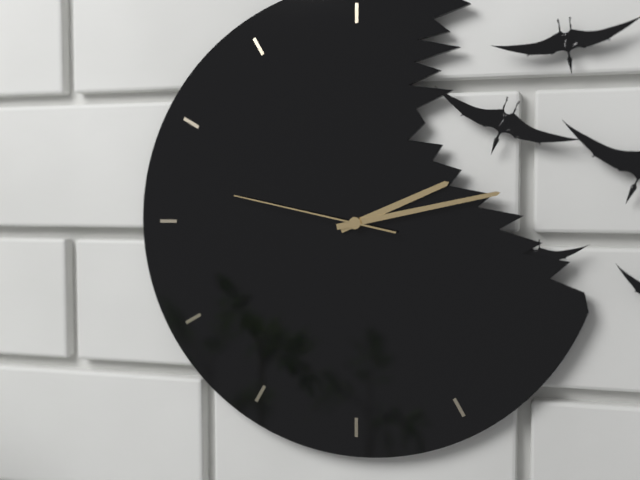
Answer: 2.13.47
